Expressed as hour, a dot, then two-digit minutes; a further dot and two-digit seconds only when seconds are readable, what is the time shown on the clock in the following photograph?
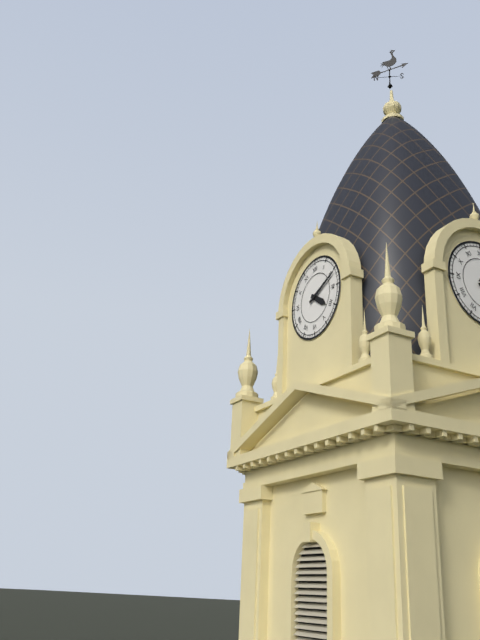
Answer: 4.11
